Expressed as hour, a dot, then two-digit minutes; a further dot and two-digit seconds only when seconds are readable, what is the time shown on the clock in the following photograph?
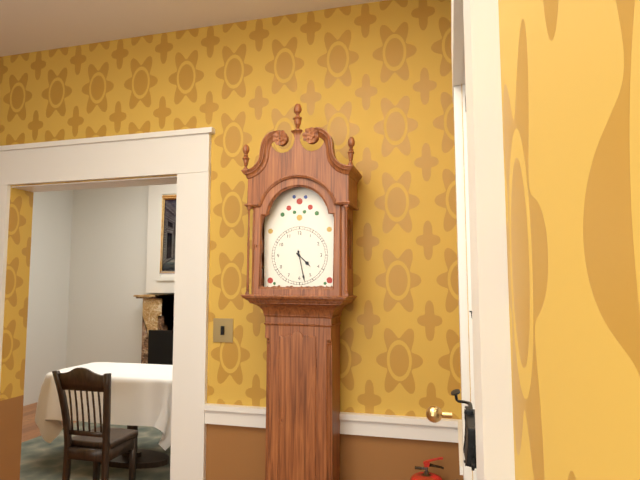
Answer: 4.28
